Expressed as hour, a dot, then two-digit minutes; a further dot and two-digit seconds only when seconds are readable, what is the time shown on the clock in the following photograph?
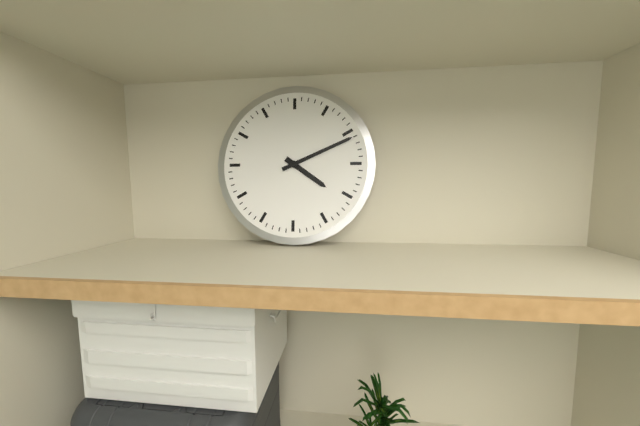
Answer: 4.11
